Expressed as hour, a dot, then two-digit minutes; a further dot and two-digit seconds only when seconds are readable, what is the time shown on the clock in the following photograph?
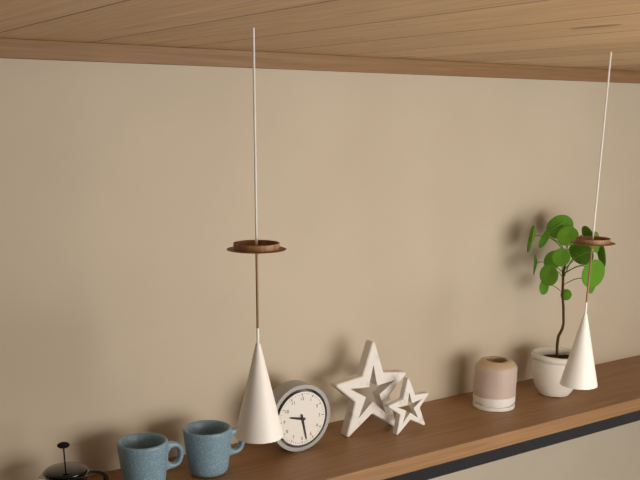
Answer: 9.28
